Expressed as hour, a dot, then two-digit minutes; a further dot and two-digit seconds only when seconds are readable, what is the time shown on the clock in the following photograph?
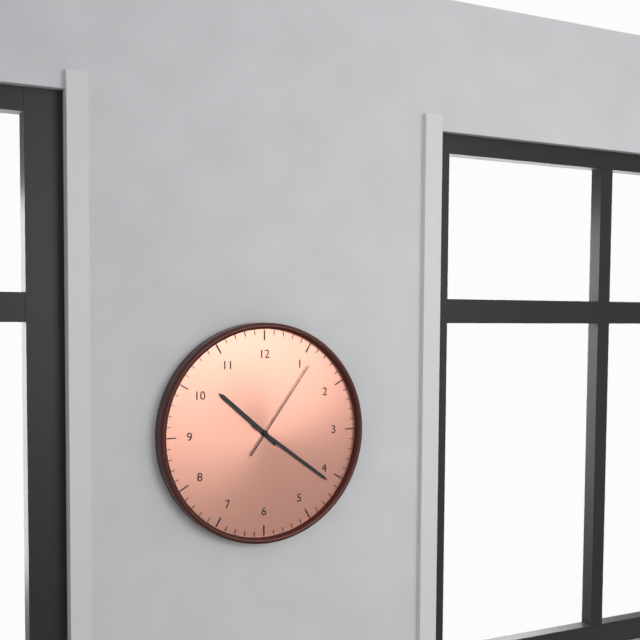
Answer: 10.21.06
